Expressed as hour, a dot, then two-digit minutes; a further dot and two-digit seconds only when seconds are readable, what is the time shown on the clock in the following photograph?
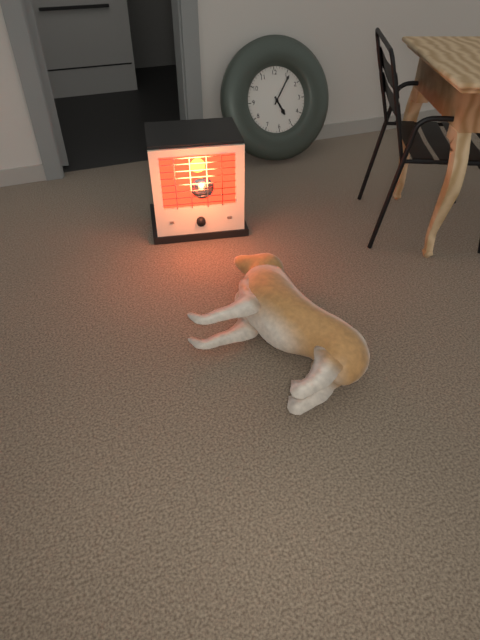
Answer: 5.06
